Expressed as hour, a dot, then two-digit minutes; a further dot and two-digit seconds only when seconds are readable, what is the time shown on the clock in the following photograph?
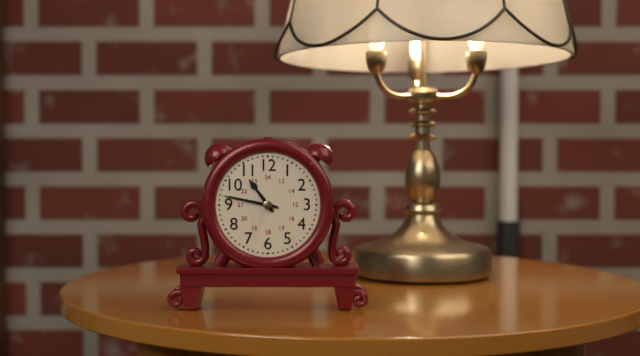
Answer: 10.47
